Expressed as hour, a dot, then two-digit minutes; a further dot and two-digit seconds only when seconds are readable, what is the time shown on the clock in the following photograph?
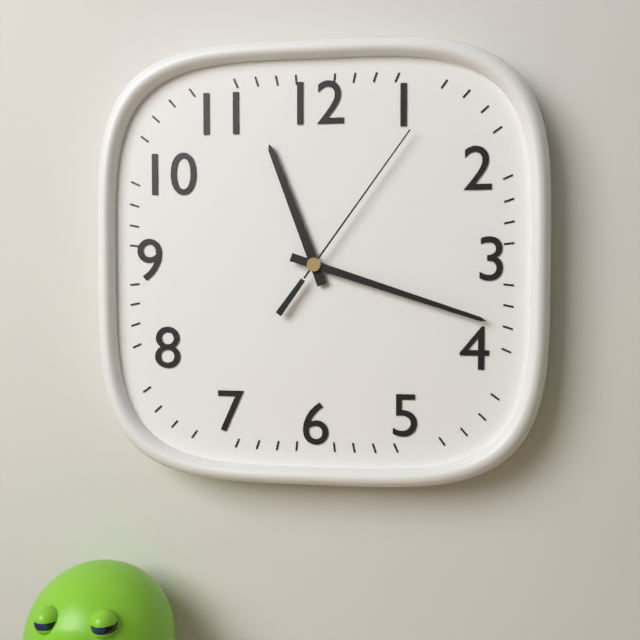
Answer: 11.18.06
